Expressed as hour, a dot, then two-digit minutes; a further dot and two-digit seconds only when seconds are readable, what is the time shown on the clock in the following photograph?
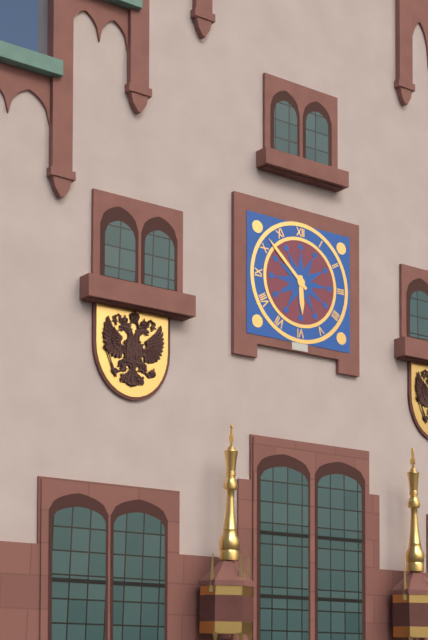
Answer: 5.52
